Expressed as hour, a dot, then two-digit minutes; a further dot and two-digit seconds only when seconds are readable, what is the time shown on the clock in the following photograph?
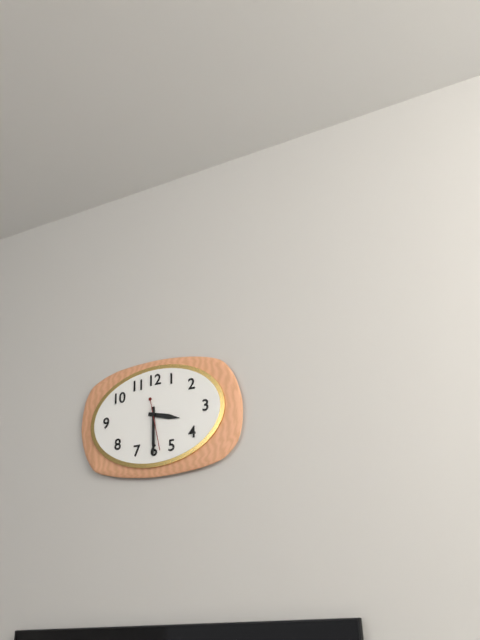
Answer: 3.30
